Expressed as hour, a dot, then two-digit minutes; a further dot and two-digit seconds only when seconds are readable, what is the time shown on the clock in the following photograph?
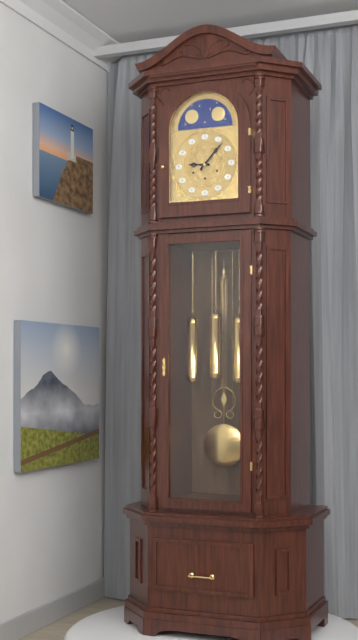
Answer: 9.07
